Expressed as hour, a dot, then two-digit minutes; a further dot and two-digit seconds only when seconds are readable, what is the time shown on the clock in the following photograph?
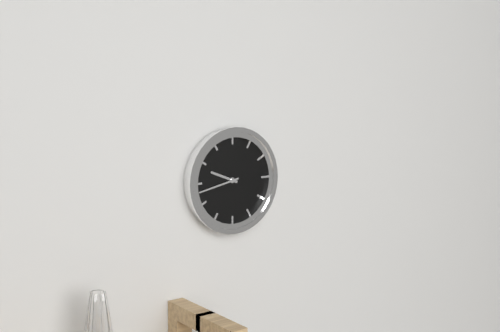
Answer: 9.43
